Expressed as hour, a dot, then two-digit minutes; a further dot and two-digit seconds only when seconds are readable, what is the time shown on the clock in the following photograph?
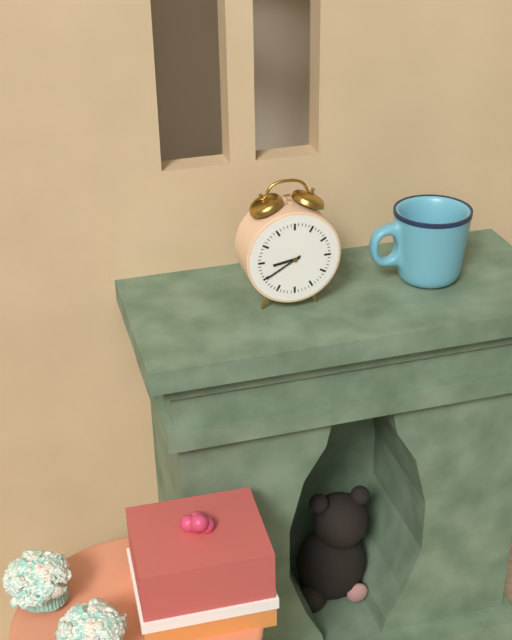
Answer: 8.40
